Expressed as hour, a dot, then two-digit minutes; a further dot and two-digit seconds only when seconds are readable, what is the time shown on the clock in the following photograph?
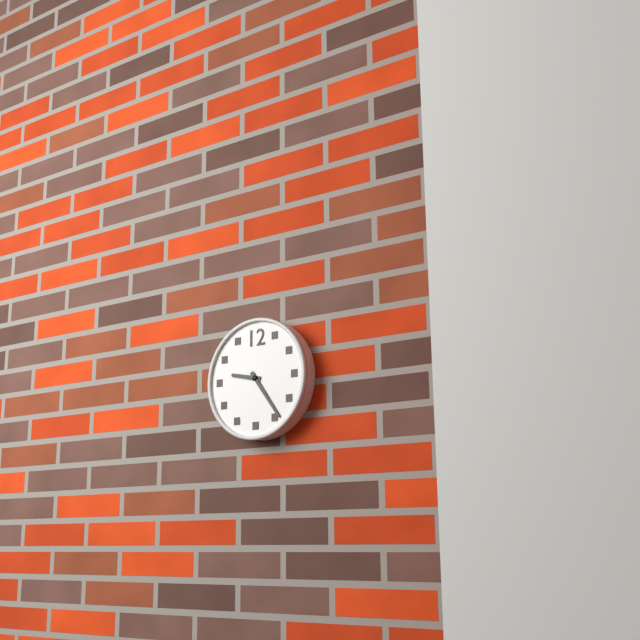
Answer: 9.24
